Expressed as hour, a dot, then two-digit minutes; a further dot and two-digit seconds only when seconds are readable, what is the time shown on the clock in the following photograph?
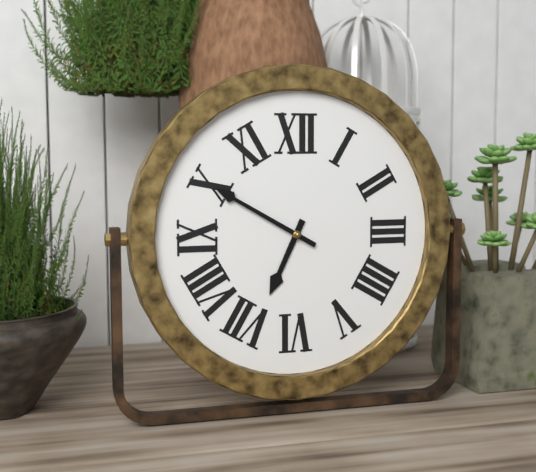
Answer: 6.50
